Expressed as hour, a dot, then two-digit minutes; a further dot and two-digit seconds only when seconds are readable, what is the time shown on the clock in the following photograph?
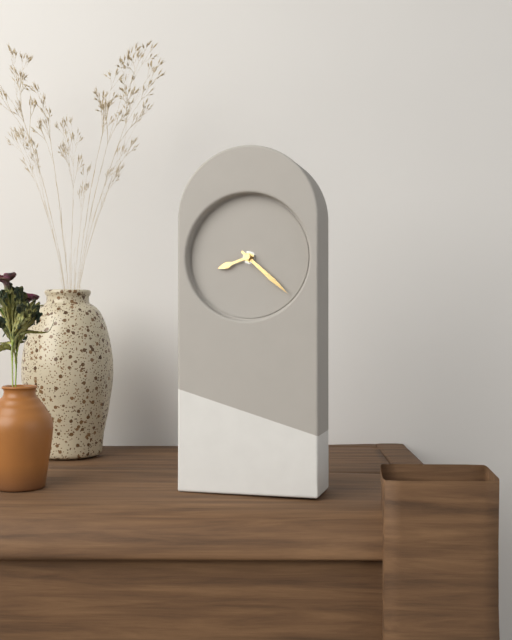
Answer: 8.22
